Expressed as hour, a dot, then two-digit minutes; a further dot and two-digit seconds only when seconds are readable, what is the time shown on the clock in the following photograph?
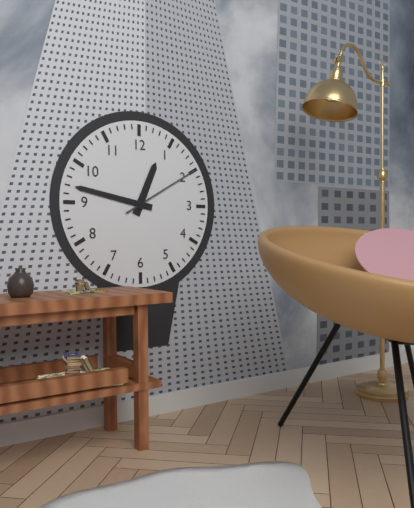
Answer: 12.47.10
